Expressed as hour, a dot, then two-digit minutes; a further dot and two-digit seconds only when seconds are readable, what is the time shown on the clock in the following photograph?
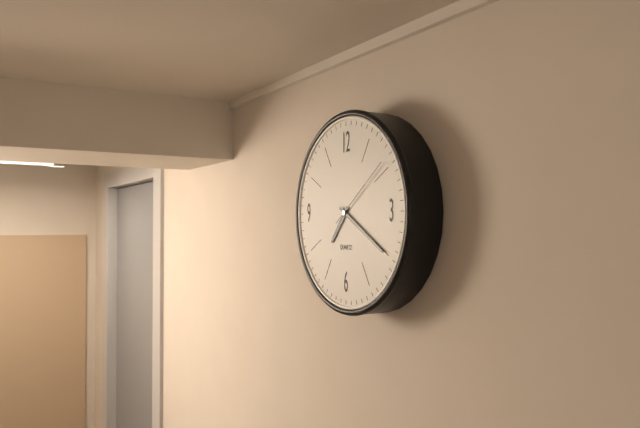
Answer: 7.20.09
